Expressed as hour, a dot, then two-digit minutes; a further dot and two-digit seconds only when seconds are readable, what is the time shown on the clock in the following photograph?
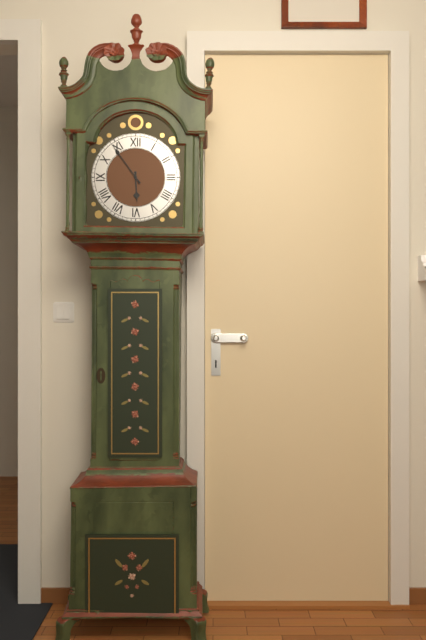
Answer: 5.54
